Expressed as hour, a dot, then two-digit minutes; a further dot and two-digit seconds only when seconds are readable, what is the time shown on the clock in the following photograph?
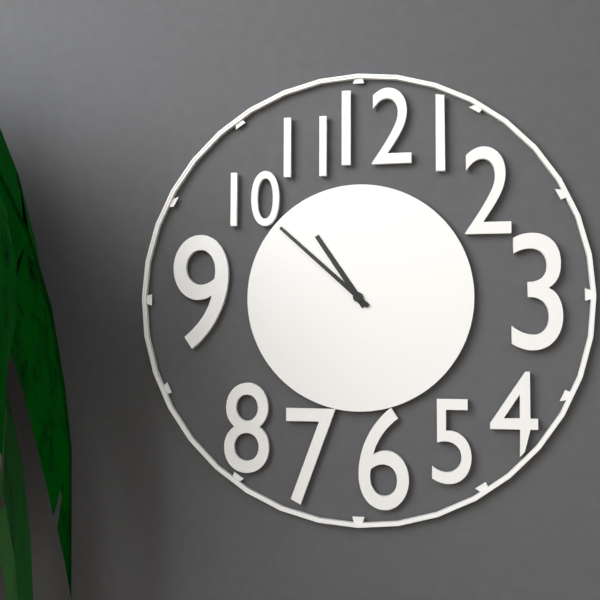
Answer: 10.52
